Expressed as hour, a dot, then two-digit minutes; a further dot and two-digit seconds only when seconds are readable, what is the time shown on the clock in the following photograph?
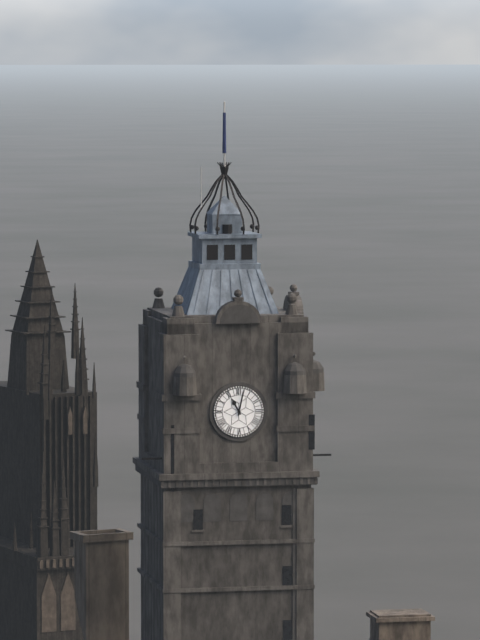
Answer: 11.02
